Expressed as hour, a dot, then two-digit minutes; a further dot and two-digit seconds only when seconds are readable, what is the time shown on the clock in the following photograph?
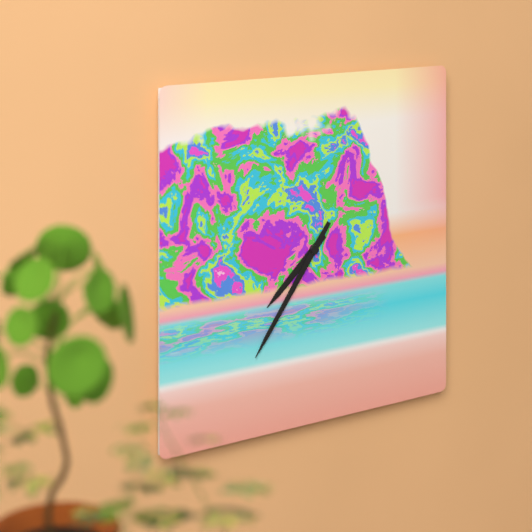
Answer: 7.36
